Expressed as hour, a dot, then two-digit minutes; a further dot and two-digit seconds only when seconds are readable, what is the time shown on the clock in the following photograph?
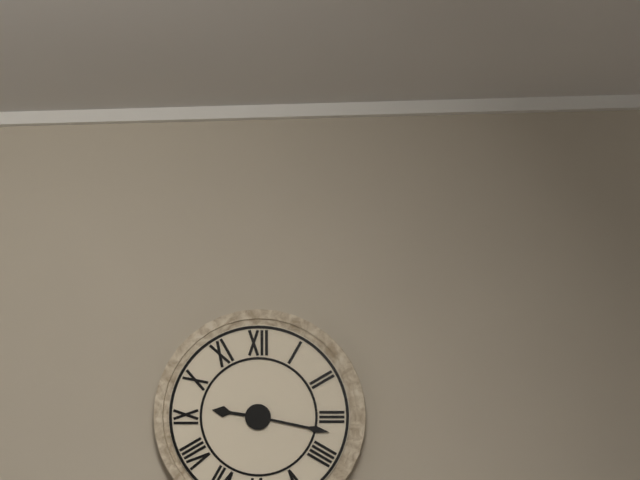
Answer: 9.17
